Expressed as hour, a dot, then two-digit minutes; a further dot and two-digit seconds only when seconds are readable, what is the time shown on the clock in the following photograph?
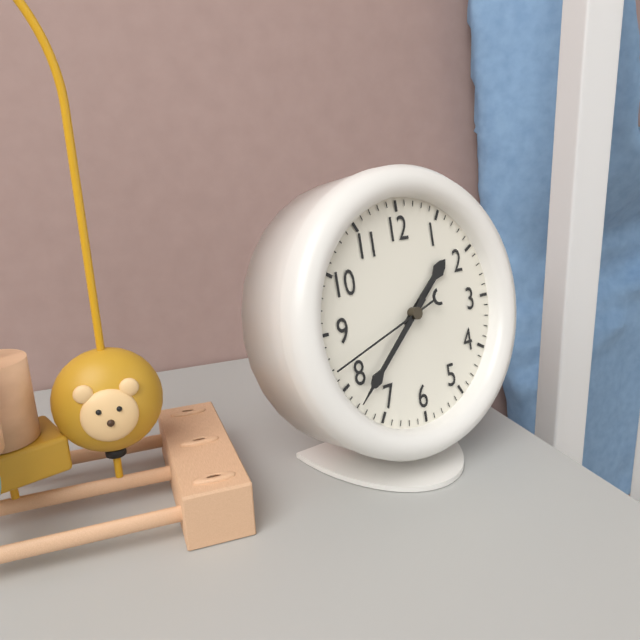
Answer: 1.38.42
